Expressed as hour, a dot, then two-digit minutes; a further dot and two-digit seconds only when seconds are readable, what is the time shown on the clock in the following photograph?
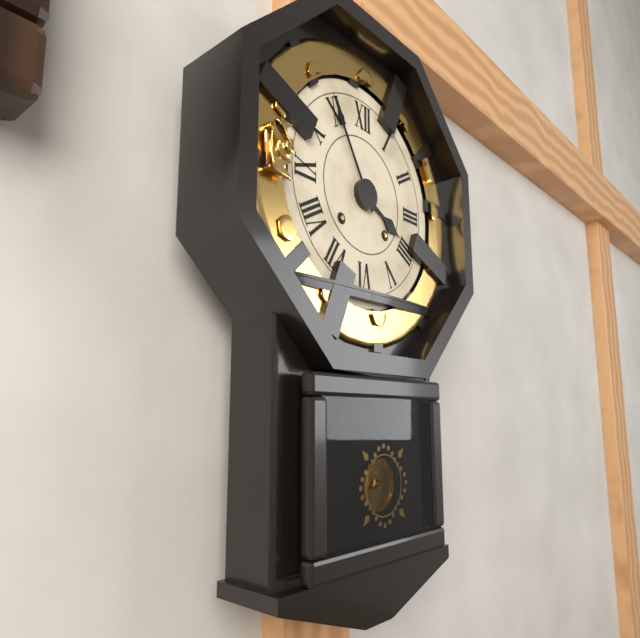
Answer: 3.55
